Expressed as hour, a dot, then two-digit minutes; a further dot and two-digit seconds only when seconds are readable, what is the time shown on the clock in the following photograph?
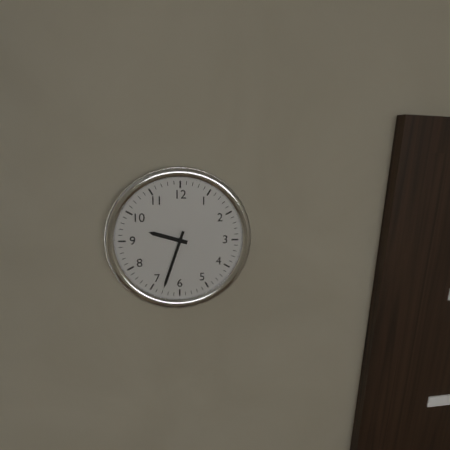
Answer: 9.33
